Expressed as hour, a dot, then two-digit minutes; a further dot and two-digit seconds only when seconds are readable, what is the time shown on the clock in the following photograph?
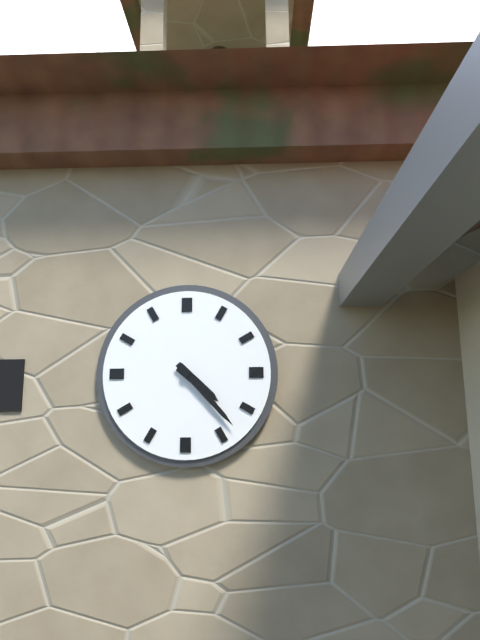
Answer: 4.23
